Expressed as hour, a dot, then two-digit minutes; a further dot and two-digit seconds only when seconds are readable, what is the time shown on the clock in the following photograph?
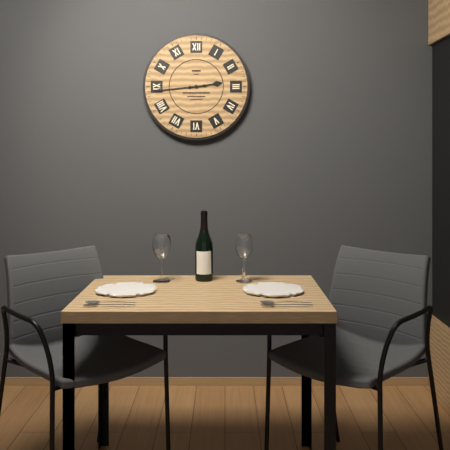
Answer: 2.44
